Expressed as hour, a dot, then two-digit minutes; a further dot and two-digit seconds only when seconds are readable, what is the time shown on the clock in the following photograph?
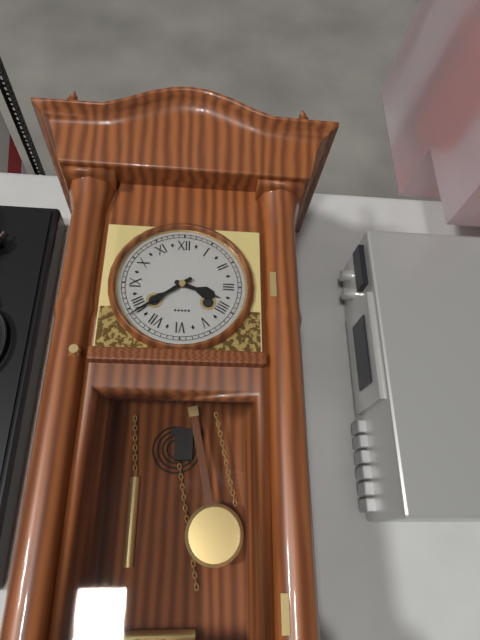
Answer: 3.39
